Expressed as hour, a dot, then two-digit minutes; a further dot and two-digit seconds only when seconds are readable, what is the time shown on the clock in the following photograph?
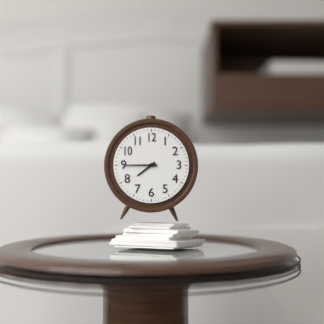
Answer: 7.45
